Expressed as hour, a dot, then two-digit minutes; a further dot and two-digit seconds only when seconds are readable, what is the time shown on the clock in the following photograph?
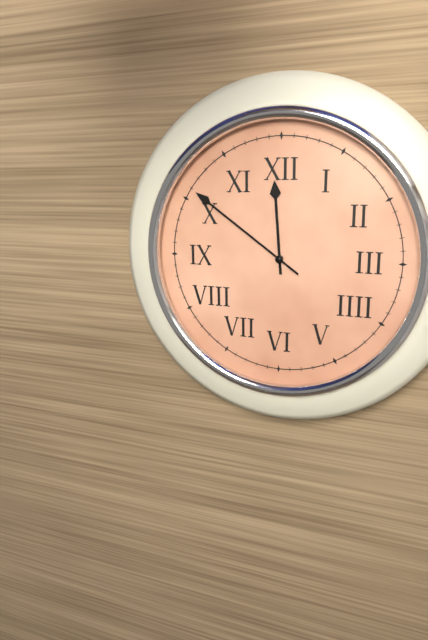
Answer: 11.51
